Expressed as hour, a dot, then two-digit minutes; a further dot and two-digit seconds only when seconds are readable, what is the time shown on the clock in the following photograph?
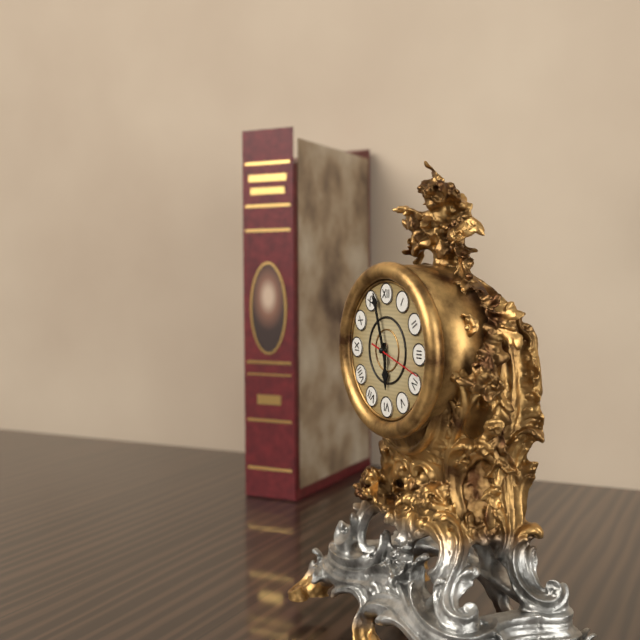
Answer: 5.57.18
